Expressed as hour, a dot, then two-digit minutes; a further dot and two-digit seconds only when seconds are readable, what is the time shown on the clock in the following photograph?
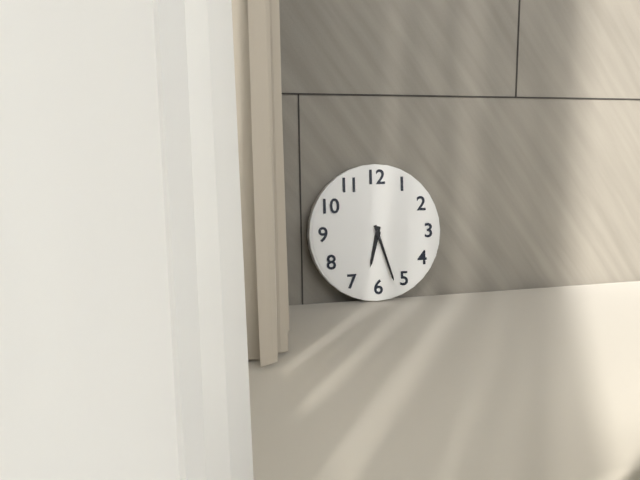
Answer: 6.27
